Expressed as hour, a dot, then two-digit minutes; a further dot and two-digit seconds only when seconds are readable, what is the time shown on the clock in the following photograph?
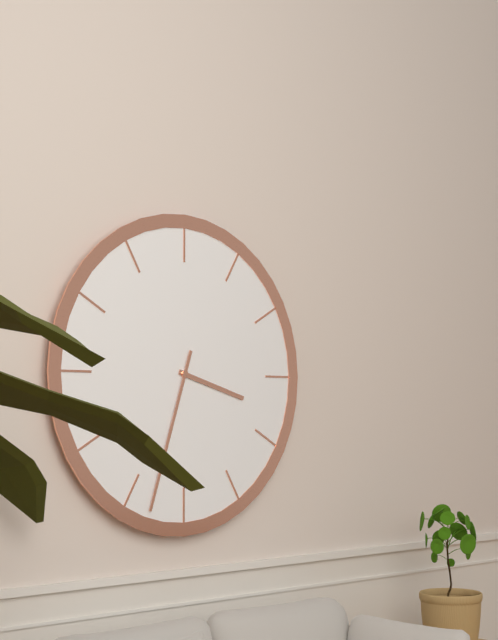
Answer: 3.33
